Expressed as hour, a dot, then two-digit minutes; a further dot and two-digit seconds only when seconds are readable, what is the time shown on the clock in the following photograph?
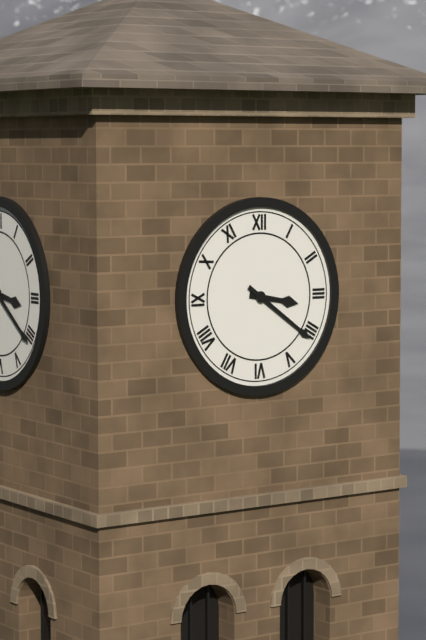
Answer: 3.21
